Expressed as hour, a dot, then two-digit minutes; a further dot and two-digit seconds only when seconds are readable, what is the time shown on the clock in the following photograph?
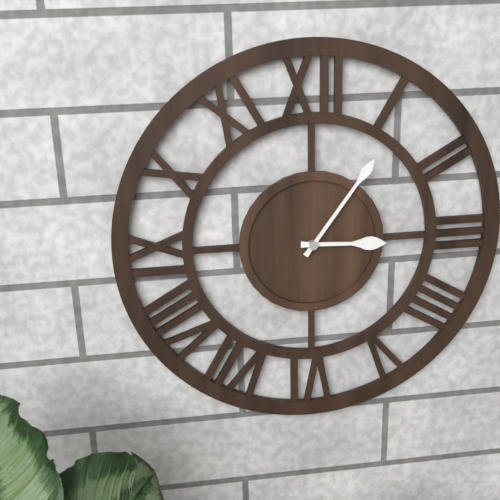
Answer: 3.06
